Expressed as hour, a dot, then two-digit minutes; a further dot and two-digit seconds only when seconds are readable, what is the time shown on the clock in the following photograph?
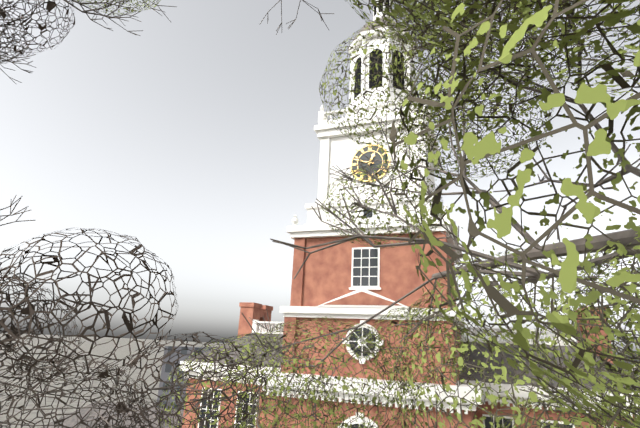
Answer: 12.48
